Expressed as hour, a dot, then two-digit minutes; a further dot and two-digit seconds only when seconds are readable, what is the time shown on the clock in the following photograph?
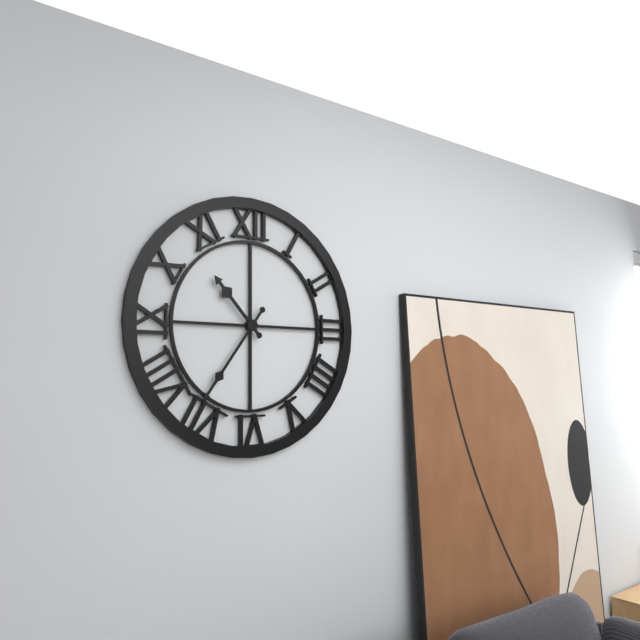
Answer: 10.36
